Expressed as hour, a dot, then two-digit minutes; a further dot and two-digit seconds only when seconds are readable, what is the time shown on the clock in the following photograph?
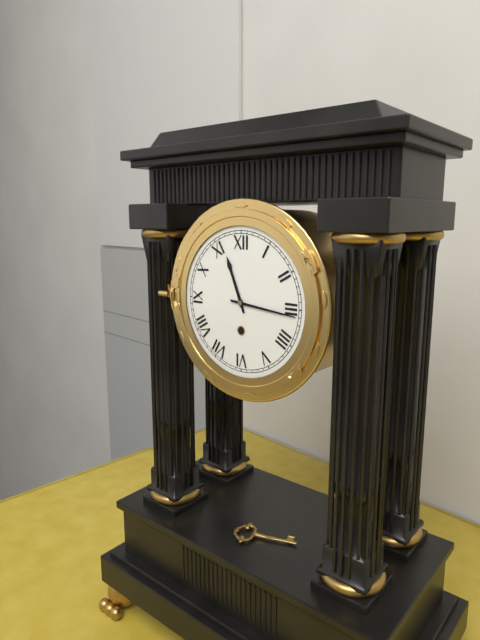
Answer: 11.16
